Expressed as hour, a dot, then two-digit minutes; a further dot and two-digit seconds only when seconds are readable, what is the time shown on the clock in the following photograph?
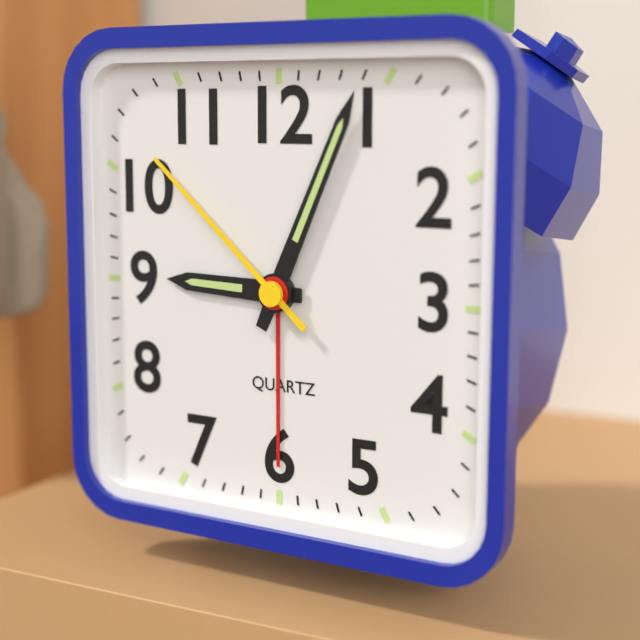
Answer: 9.04.52
